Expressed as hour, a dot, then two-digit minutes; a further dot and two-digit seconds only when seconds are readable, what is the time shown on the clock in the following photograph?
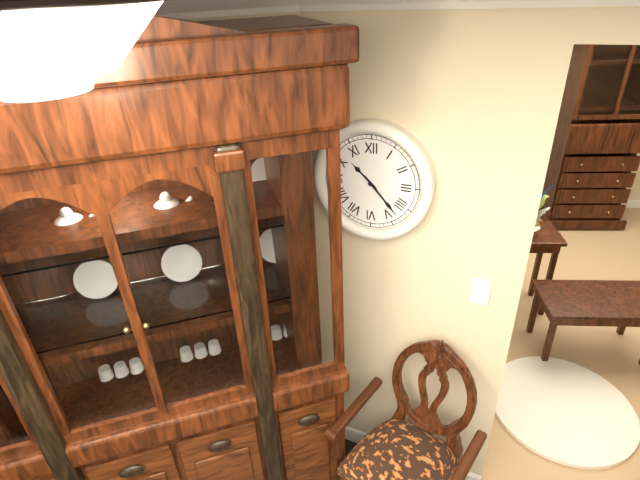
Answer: 10.23
